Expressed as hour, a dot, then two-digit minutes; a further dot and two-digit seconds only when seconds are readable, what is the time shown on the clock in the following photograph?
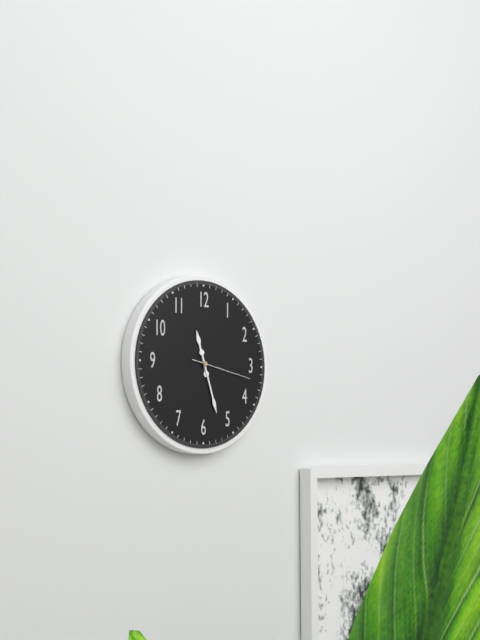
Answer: 11.27.17
